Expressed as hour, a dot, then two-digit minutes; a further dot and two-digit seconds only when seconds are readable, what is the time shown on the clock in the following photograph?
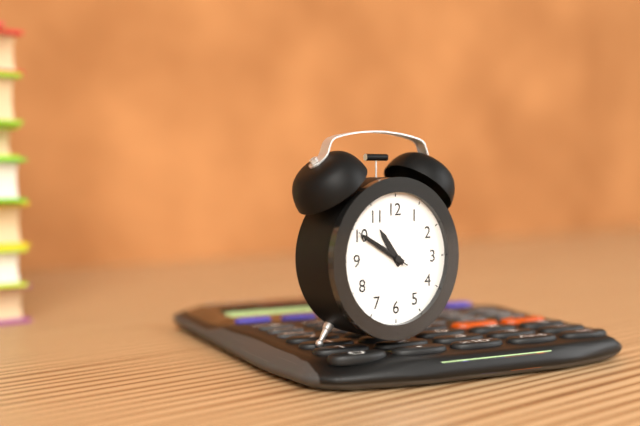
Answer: 10.50.50
